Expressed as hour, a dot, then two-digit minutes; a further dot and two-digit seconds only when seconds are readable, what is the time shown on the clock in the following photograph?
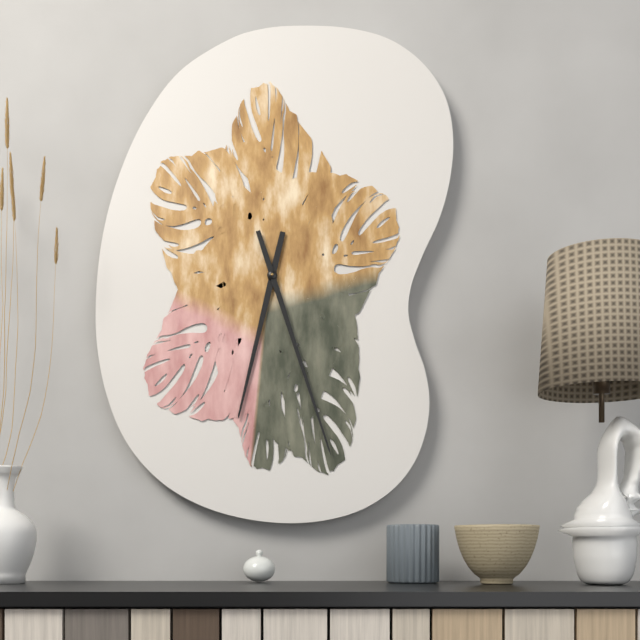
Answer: 6.27
